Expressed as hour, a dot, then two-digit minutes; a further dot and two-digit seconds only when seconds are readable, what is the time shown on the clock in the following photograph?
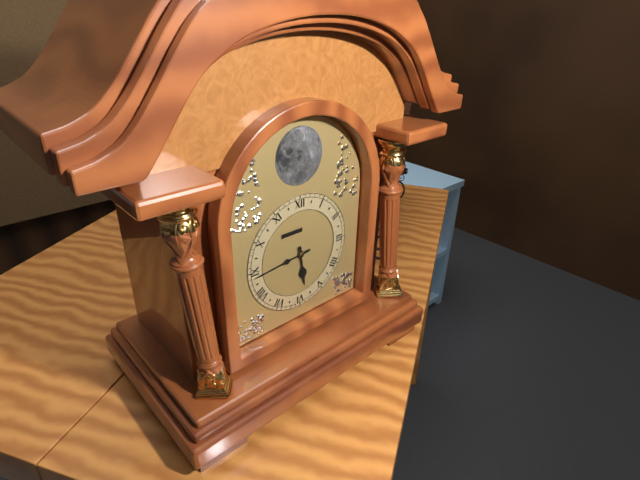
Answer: 5.44
